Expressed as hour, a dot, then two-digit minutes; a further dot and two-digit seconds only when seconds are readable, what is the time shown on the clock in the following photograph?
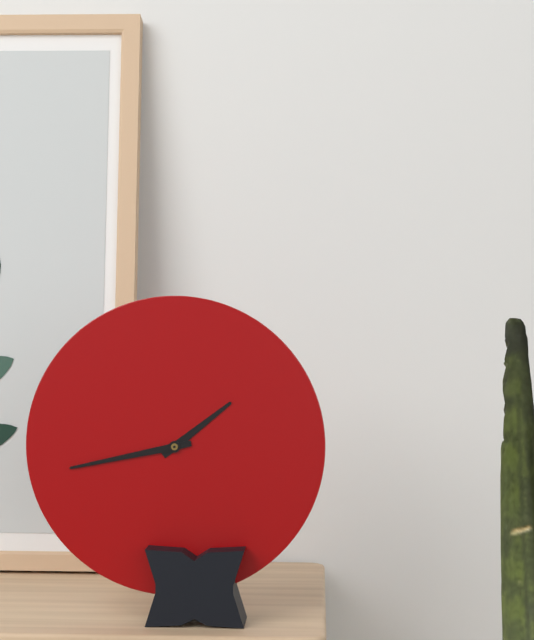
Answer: 1.43
